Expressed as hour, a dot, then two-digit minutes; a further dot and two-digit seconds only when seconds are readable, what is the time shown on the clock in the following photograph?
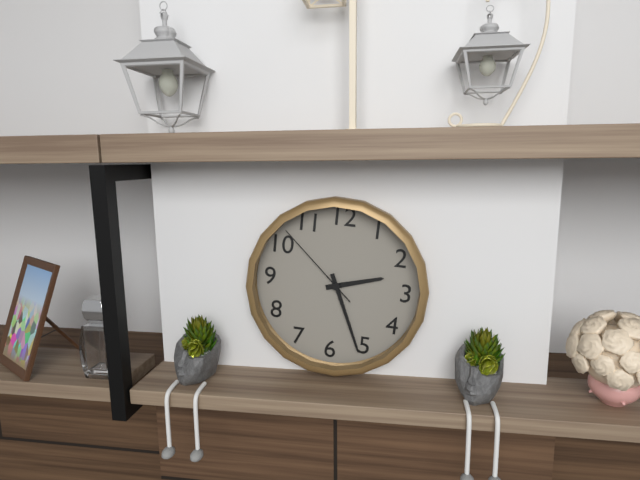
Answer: 2.26.52
